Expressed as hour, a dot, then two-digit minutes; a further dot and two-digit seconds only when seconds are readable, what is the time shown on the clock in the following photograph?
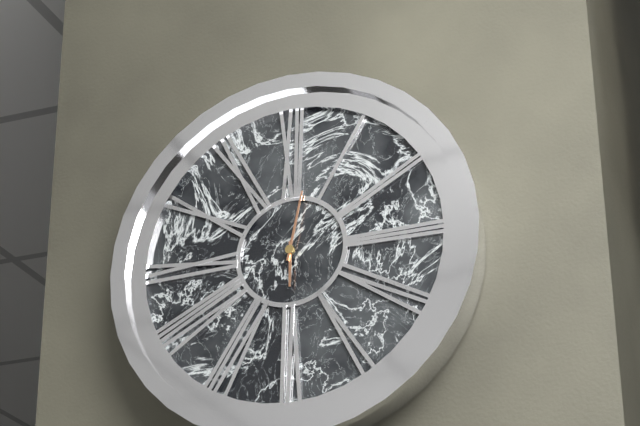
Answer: 6.02
